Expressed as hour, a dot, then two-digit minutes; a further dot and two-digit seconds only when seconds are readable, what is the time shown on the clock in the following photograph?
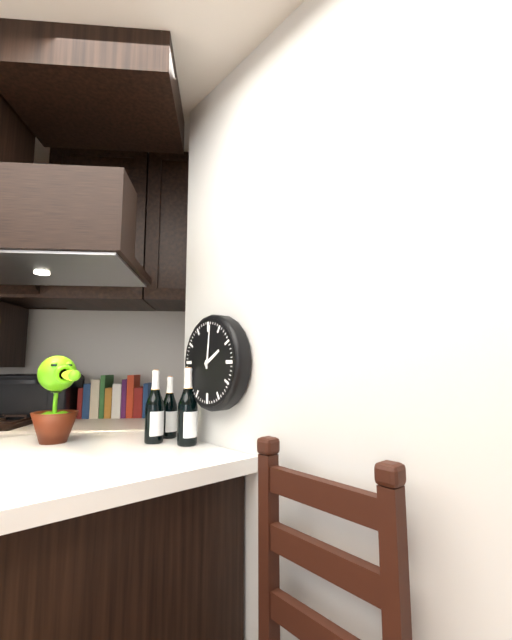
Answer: 2.01
